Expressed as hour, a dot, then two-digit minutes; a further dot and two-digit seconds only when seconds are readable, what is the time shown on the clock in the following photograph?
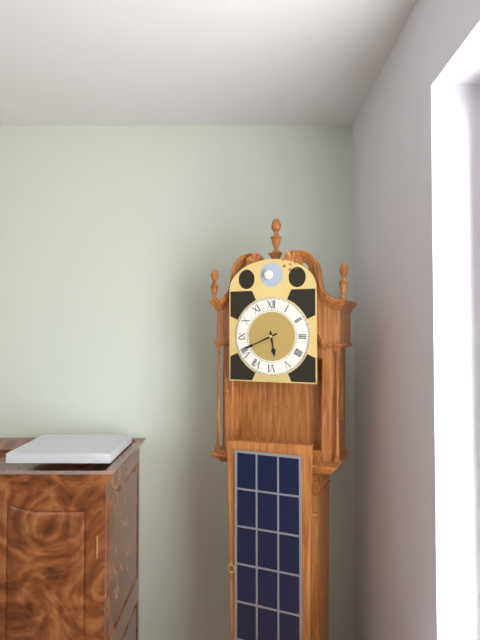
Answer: 5.41
